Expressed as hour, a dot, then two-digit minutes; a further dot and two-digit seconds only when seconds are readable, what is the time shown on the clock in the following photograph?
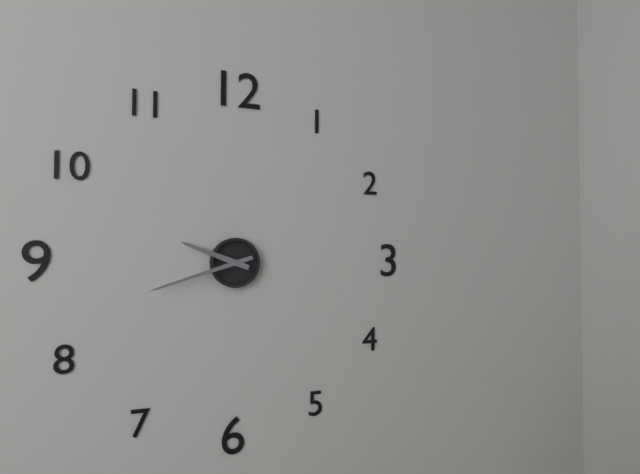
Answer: 9.42
